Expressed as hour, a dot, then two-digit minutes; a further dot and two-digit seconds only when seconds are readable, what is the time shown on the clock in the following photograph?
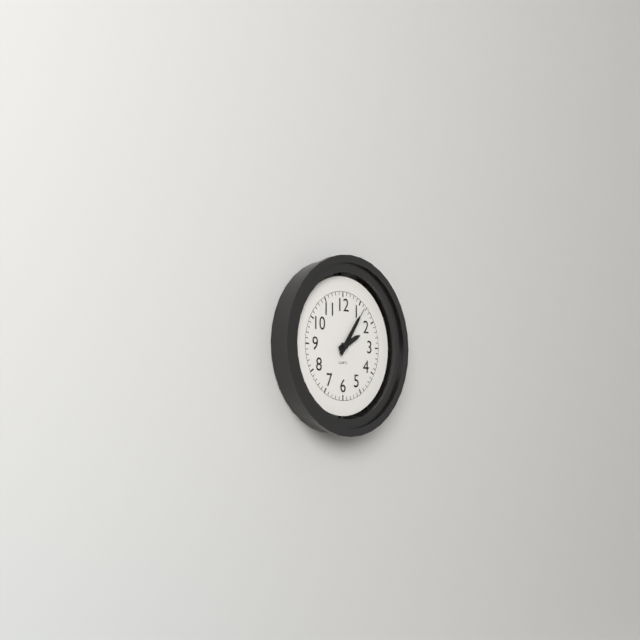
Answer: 2.06.06
